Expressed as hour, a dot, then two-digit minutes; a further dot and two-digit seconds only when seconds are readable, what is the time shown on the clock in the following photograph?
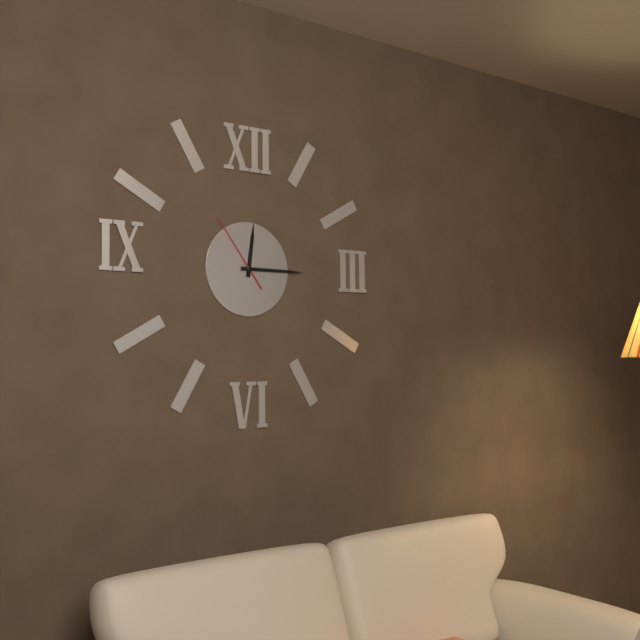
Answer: 12.15.54
